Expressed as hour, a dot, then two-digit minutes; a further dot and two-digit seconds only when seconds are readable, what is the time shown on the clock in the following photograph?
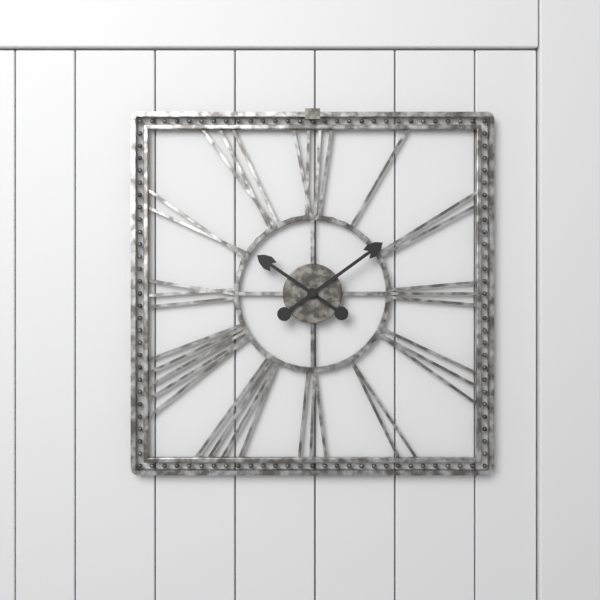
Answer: 10.09
